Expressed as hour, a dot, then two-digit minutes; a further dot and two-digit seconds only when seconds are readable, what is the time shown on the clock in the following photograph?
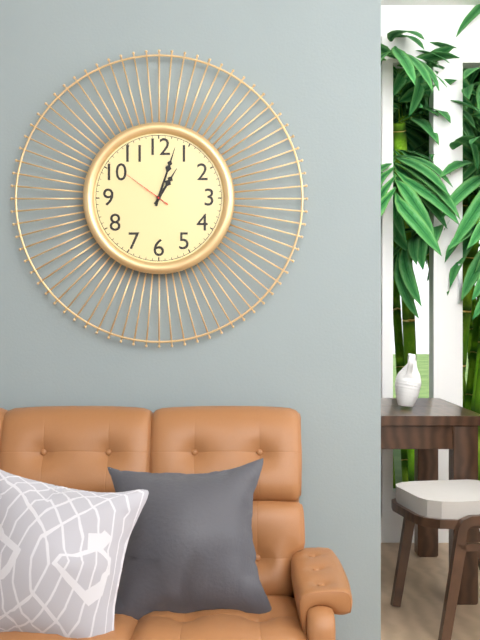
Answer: 1.03.51
